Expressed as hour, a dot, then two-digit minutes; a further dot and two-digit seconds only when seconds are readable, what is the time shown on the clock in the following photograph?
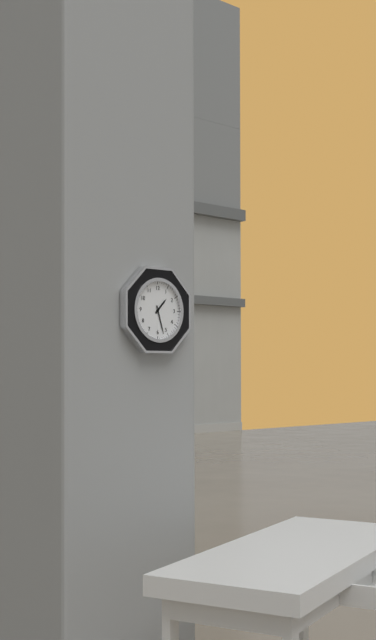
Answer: 1.27
